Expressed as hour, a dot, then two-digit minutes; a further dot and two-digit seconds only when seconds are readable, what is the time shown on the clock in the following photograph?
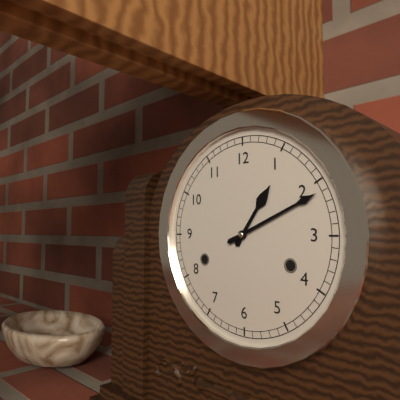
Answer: 1.11
